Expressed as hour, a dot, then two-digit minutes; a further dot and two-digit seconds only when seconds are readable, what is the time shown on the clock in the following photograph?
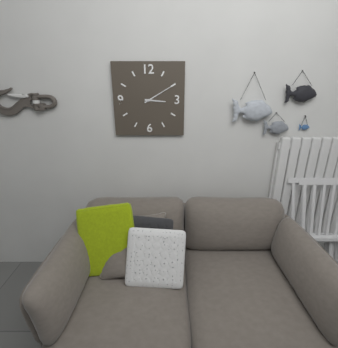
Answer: 3.10
